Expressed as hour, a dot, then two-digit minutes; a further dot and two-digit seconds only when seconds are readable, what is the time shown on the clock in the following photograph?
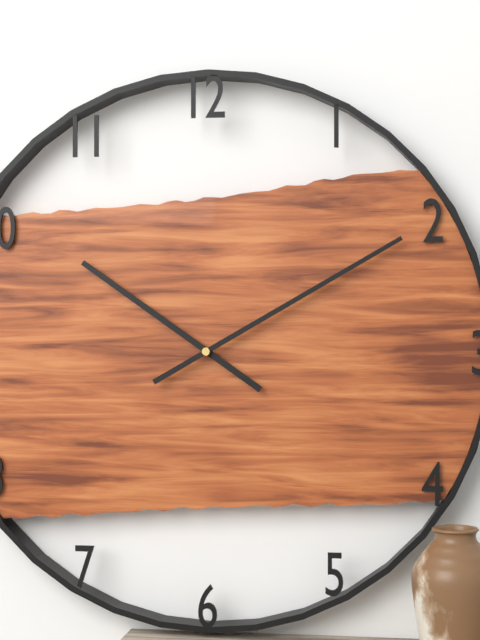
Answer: 10.10
